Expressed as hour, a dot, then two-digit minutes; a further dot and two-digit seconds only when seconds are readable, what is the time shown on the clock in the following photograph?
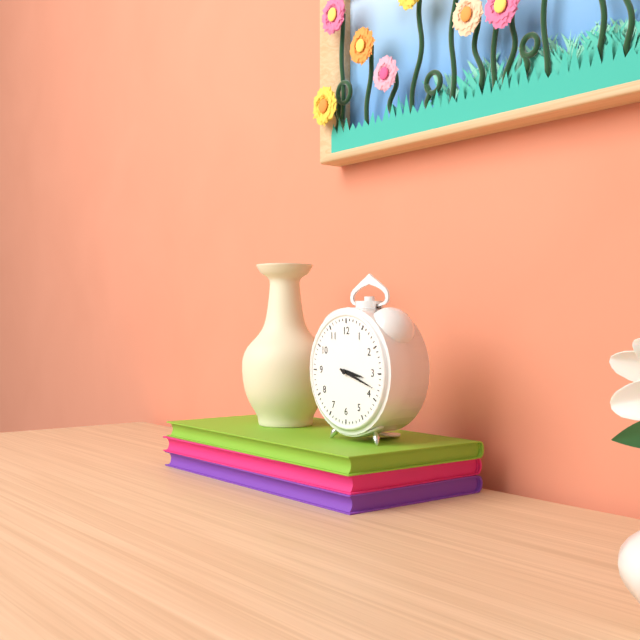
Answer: 3.18
